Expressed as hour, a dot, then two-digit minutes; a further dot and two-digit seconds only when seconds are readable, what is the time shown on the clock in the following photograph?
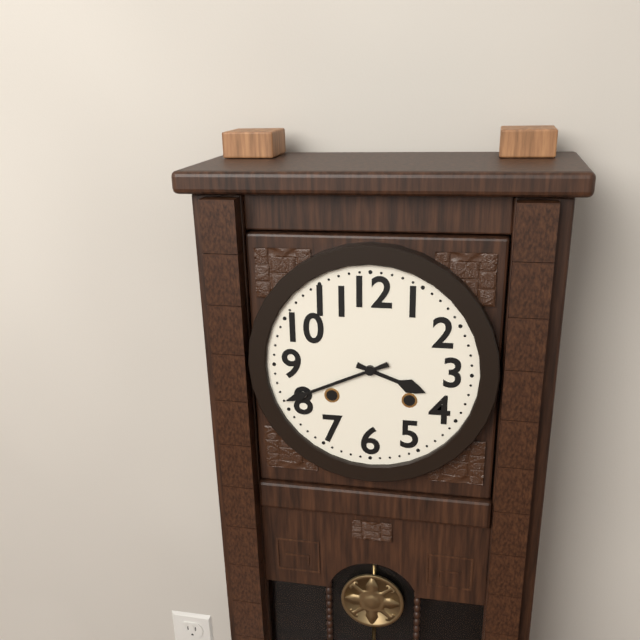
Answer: 3.41
